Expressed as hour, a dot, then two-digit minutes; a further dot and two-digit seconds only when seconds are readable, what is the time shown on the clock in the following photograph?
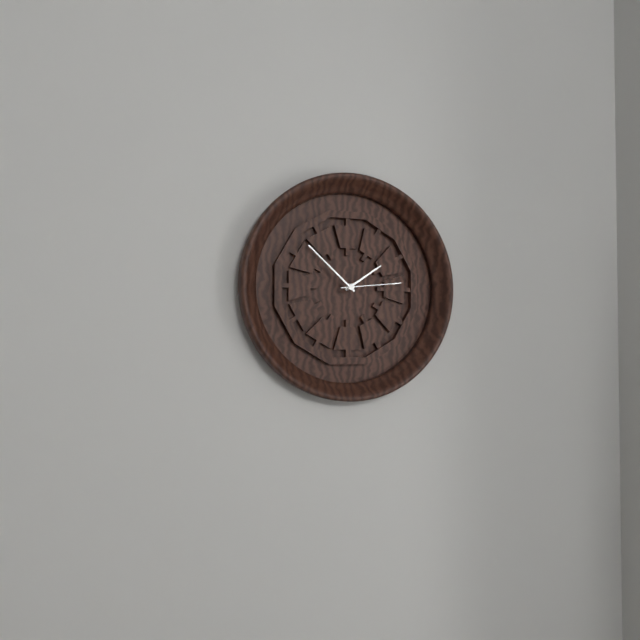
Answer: 1.52.14
